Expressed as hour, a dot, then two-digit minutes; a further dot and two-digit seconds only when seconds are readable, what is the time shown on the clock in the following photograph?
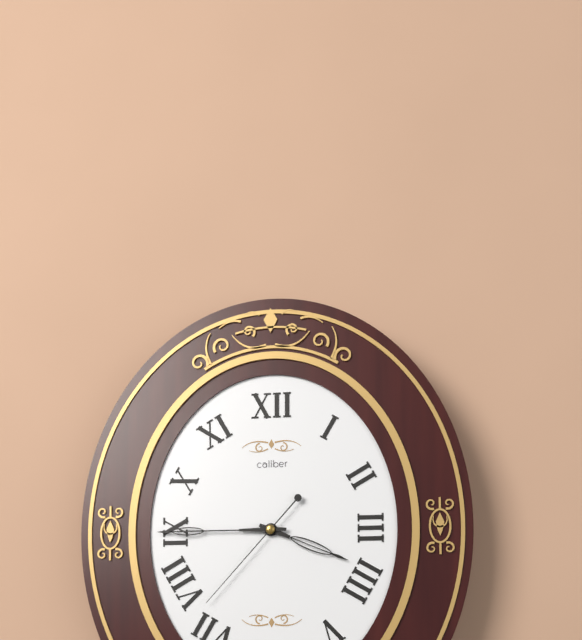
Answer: 3.45.37
